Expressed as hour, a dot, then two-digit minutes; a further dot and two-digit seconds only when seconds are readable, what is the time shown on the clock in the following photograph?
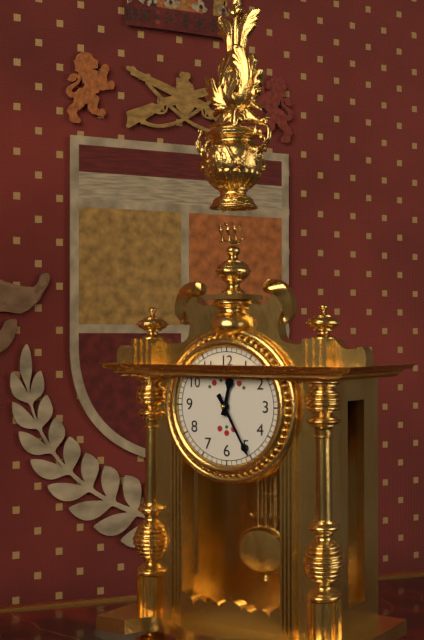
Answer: 12.25
